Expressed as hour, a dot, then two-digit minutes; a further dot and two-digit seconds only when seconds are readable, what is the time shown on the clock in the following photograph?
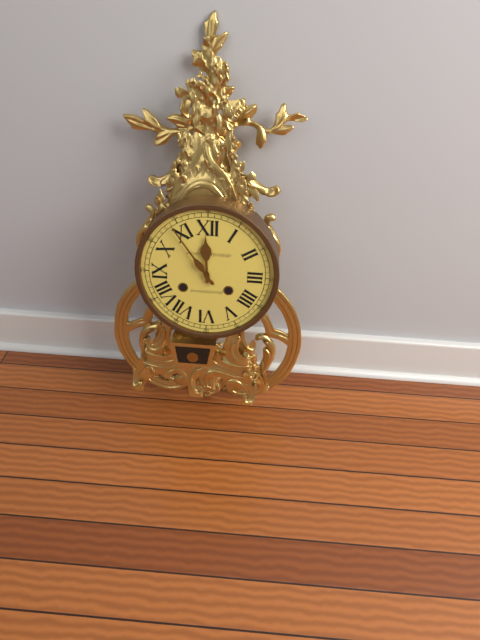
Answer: 11.54
